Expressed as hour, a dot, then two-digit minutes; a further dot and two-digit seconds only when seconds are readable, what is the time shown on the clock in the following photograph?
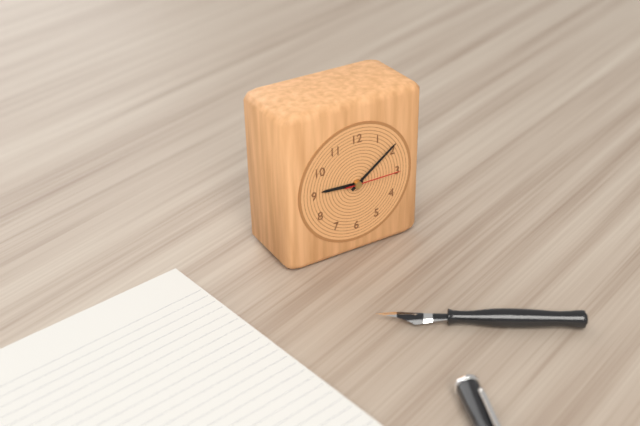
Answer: 9.09.15
